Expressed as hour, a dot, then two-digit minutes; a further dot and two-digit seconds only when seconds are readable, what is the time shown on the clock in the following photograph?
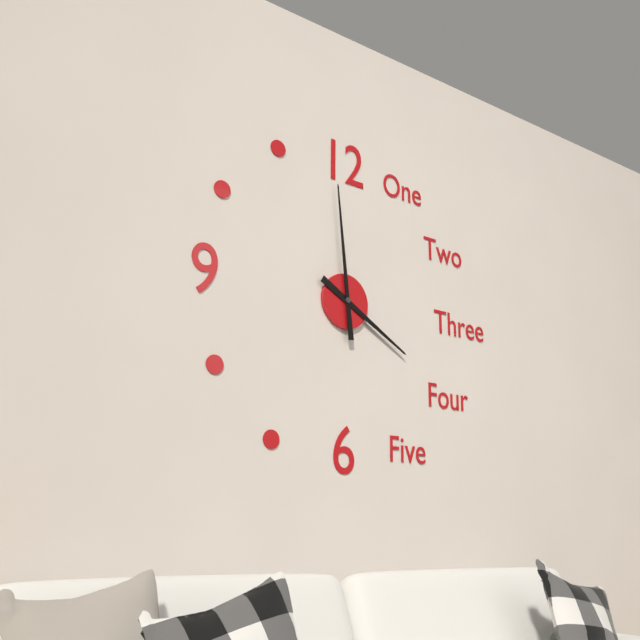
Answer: 3.59
